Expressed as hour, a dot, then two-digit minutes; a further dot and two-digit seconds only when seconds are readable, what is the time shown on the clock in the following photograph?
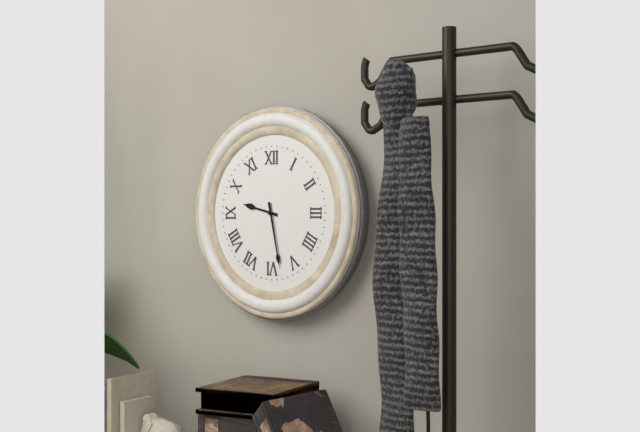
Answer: 9.28
